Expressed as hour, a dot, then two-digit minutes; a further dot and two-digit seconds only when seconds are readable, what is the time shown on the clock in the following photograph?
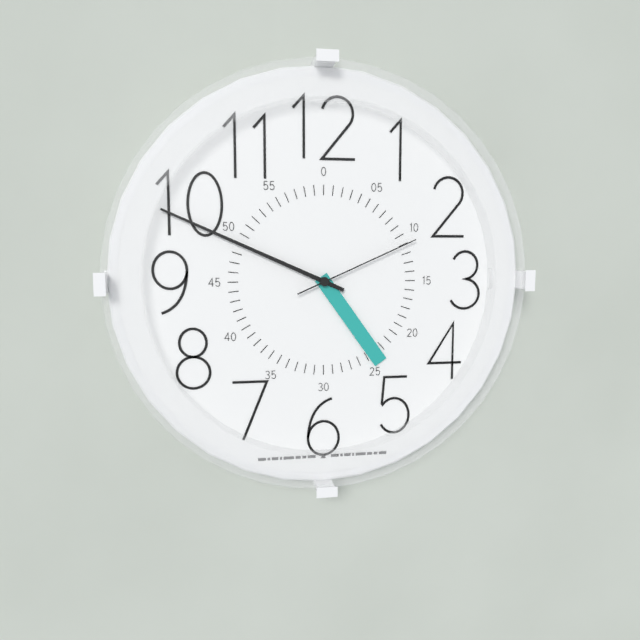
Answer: 4.49.11
